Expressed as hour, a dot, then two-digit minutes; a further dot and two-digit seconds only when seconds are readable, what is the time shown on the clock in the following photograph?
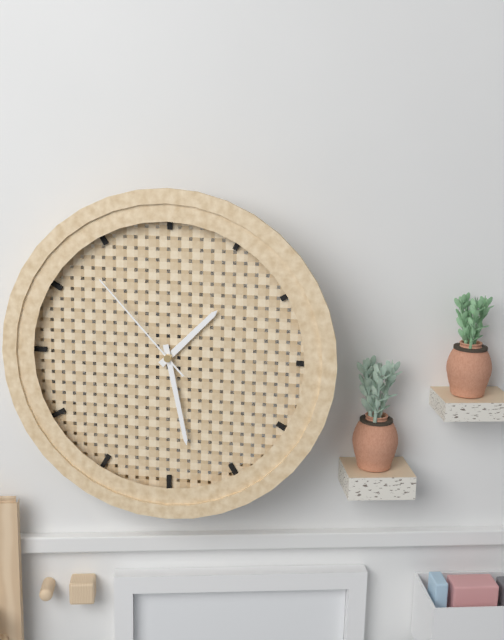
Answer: 1.28.53
